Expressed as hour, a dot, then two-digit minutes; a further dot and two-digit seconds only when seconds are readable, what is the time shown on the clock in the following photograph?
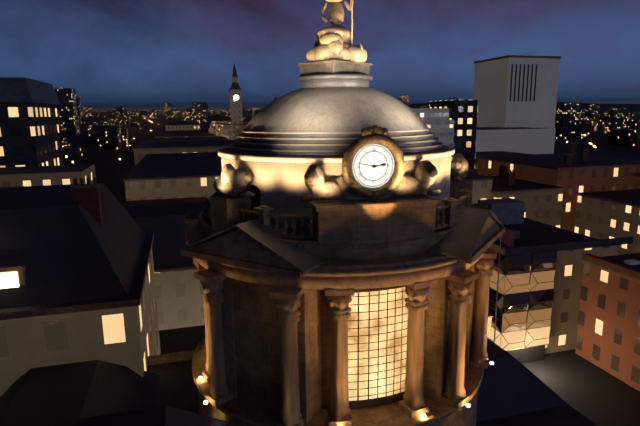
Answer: 2.47
